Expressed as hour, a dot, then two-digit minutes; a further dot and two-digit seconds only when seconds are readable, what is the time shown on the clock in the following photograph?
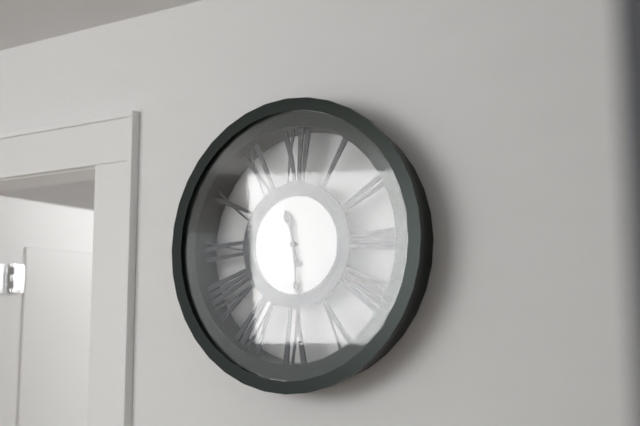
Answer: 11.29
